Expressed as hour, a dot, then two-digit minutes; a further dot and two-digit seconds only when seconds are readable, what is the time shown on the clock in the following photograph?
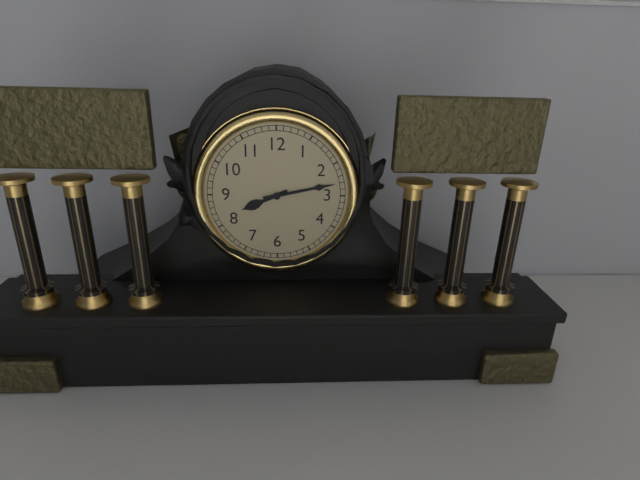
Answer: 8.13
